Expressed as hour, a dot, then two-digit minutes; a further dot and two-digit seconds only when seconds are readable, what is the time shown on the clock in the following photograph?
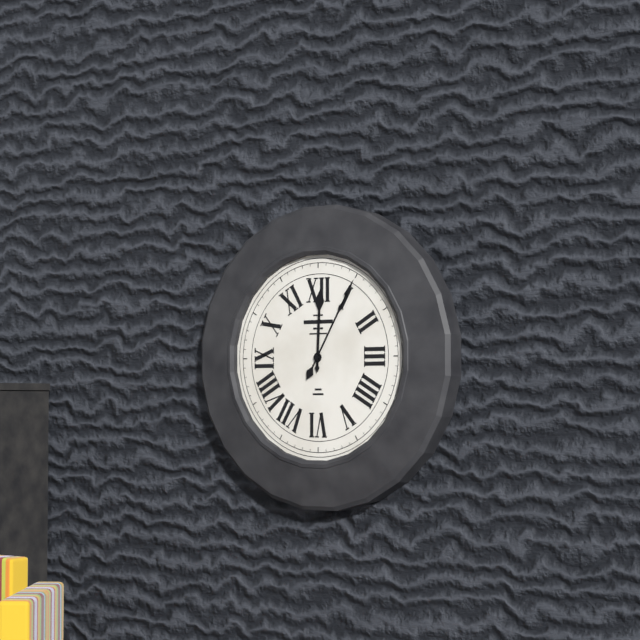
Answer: 12.05
